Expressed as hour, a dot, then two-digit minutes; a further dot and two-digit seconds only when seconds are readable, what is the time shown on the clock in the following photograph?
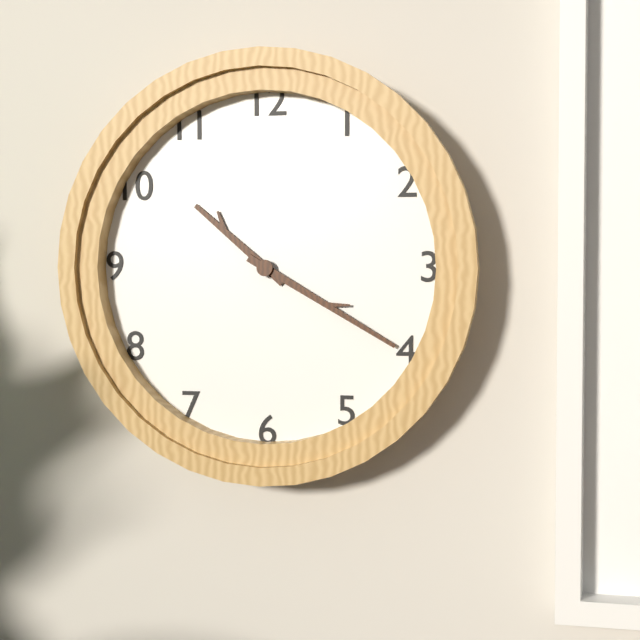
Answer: 10.20
